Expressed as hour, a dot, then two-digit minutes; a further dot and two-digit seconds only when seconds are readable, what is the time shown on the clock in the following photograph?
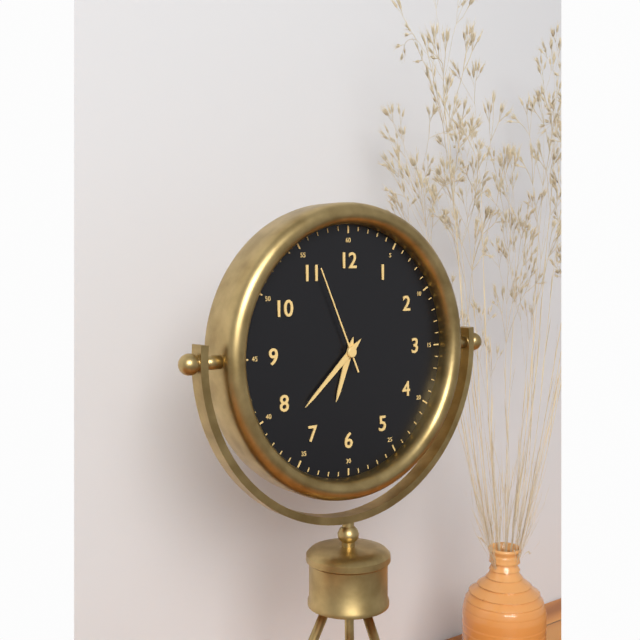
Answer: 6.38.56
